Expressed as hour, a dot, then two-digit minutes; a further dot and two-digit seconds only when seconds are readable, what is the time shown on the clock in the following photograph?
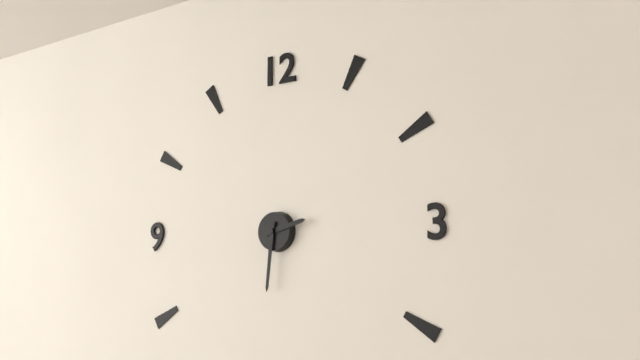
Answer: 2.31
